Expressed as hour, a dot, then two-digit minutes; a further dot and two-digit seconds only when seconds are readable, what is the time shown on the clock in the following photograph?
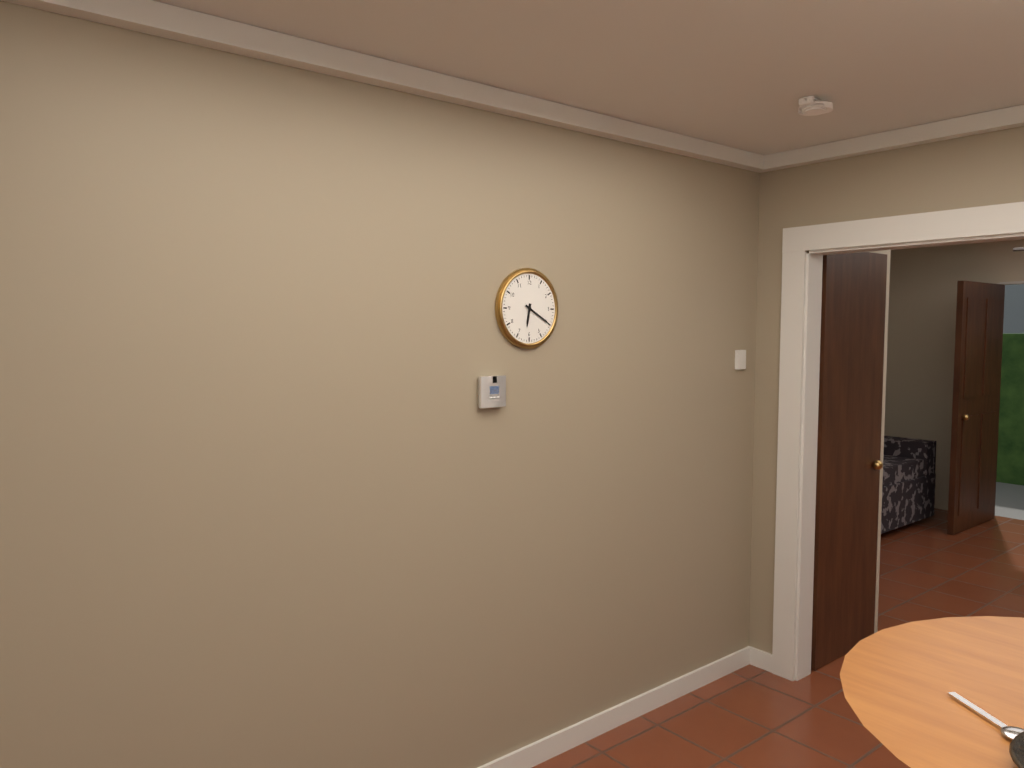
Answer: 6.20
